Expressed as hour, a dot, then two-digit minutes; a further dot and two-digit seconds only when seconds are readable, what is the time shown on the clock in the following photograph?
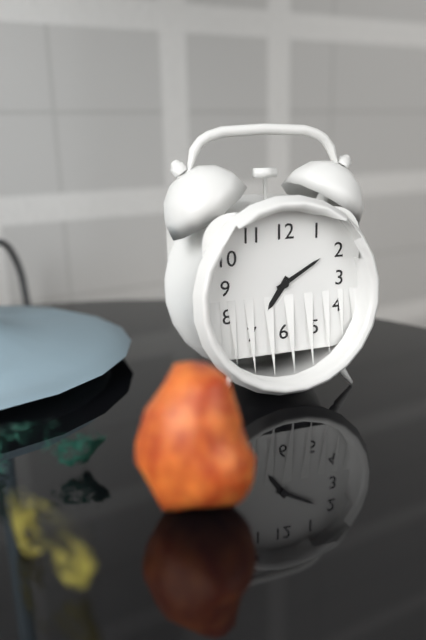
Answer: 7.10
